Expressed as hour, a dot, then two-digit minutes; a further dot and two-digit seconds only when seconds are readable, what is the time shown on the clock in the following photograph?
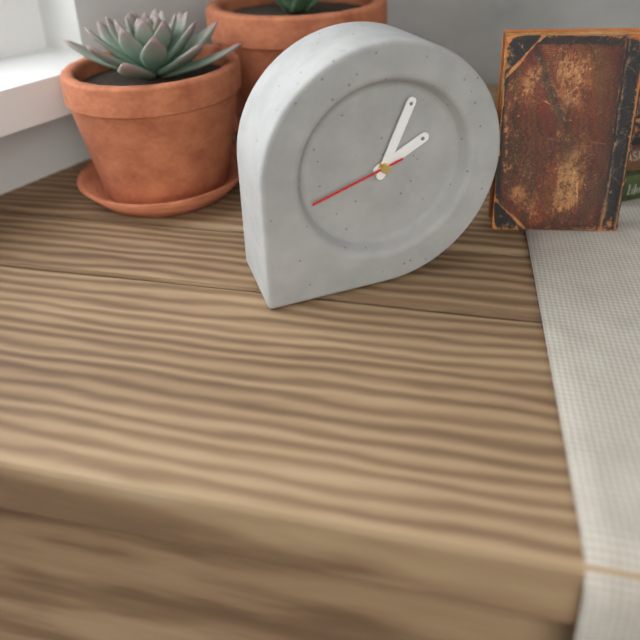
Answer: 2.04.42
